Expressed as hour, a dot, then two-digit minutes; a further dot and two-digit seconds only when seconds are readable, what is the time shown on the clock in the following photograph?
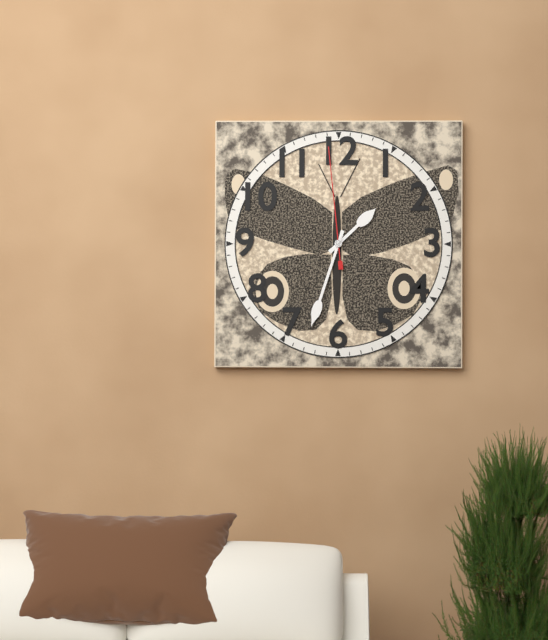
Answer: 1.33.59
